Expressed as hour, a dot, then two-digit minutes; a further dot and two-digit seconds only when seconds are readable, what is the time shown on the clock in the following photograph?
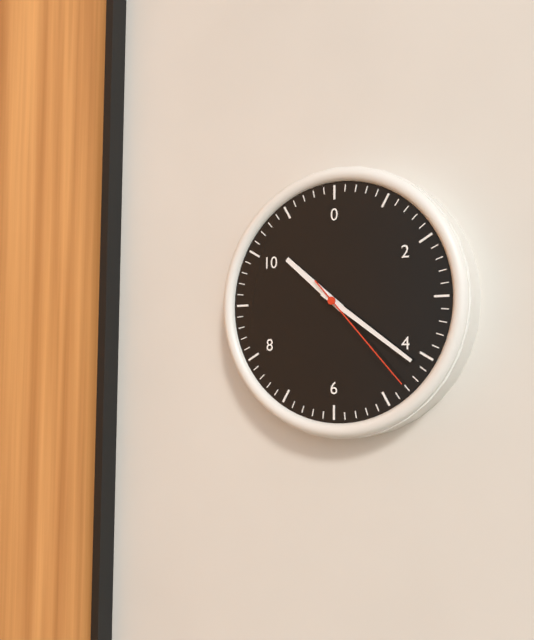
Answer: 10.21.23
